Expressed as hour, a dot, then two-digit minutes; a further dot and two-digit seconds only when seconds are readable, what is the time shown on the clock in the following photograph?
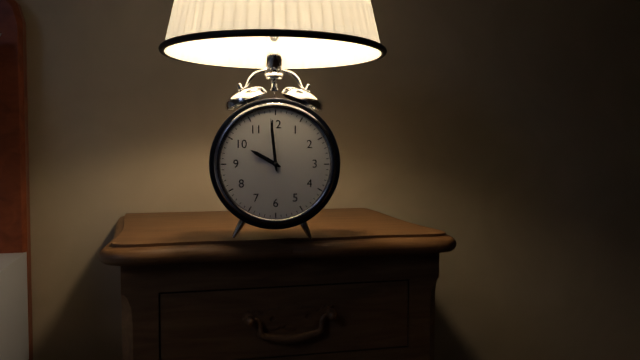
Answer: 9.59
